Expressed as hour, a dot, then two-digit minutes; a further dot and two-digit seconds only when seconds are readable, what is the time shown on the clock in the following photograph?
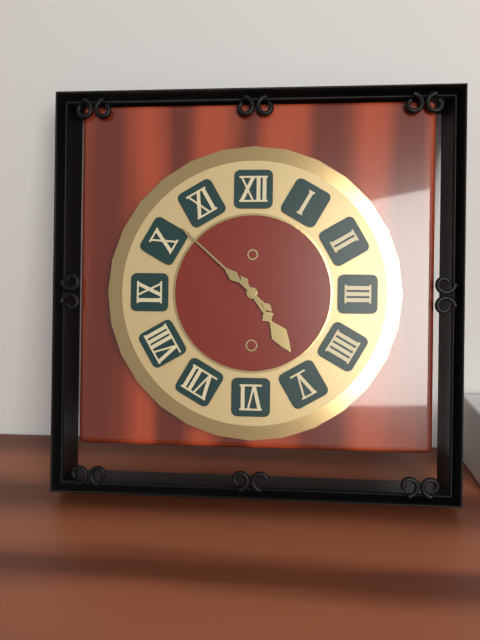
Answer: 4.52
